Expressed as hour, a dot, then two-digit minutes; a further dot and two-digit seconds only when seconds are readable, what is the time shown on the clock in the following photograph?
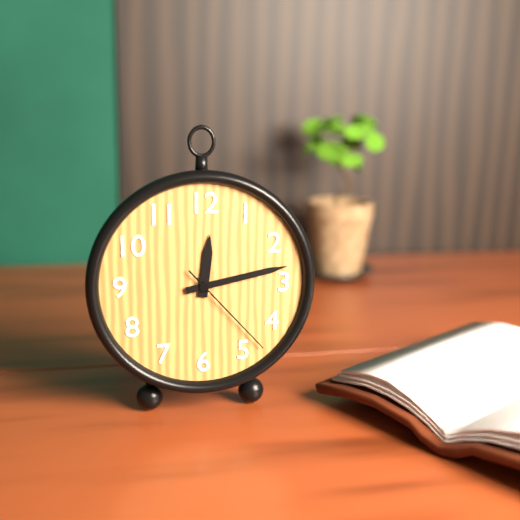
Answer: 12.13.23
